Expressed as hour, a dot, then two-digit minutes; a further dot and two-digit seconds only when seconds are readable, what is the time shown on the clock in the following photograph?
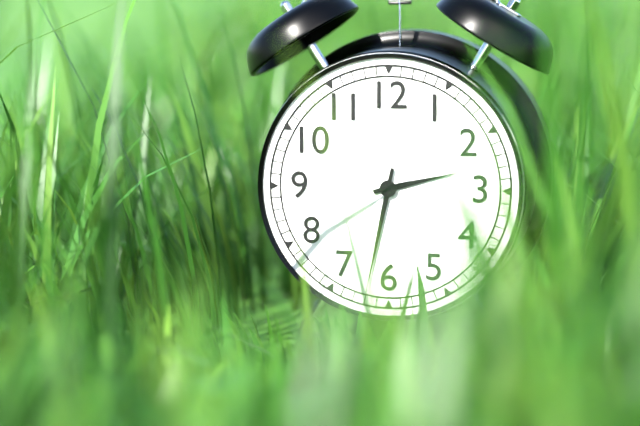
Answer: 2.32
